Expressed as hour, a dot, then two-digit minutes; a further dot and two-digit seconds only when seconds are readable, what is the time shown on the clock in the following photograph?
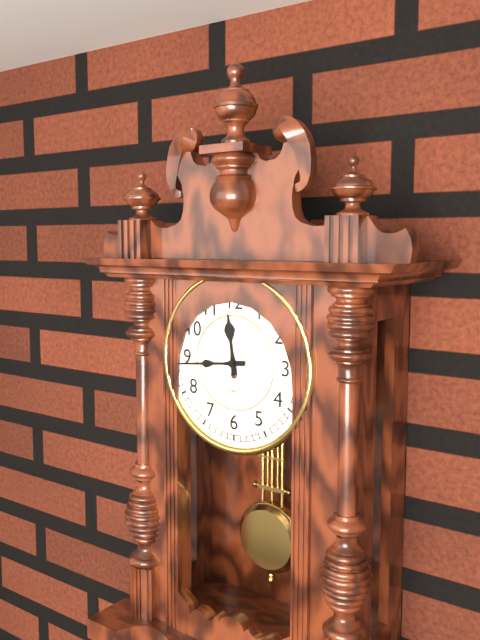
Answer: 11.44
